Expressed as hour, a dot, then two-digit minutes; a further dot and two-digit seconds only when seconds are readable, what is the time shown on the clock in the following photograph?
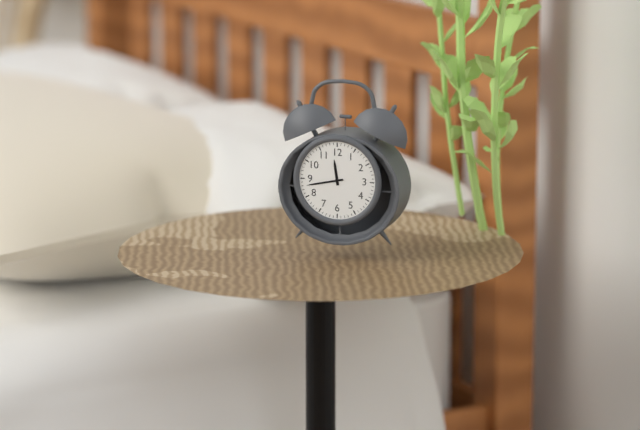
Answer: 11.43
